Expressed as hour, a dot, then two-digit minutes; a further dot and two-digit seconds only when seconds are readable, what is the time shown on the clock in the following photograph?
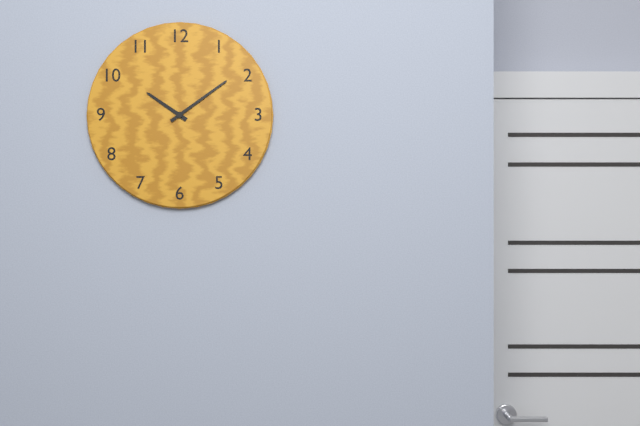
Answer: 10.09
